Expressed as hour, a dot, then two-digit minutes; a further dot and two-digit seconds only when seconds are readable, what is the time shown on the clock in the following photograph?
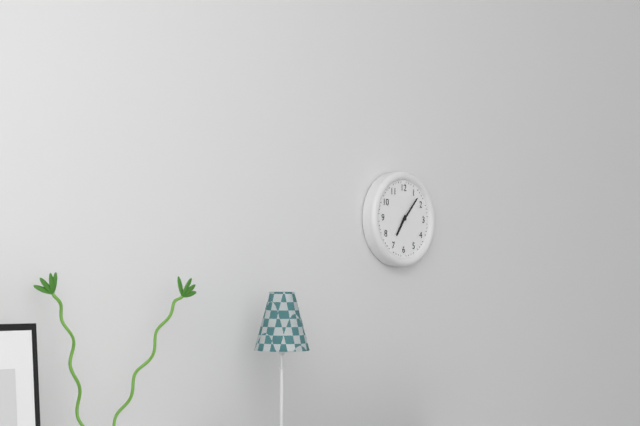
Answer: 7.07
